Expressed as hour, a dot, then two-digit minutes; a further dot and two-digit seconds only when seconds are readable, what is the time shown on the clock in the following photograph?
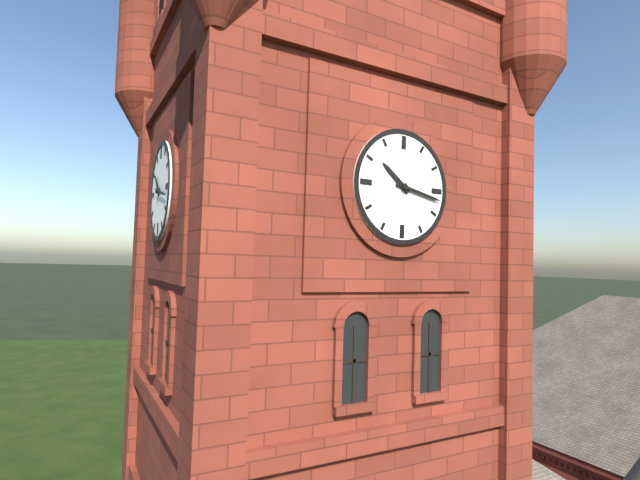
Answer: 10.17
